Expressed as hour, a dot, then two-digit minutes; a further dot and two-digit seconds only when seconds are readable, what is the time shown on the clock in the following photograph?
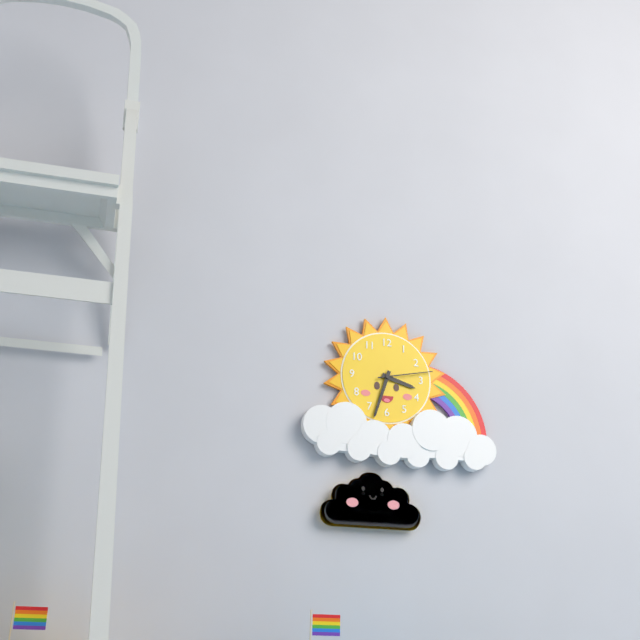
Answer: 3.33.13
